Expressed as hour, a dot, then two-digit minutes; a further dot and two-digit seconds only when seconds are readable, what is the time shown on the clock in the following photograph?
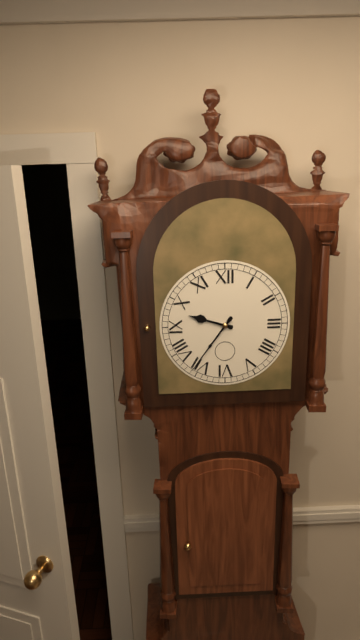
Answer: 9.36
